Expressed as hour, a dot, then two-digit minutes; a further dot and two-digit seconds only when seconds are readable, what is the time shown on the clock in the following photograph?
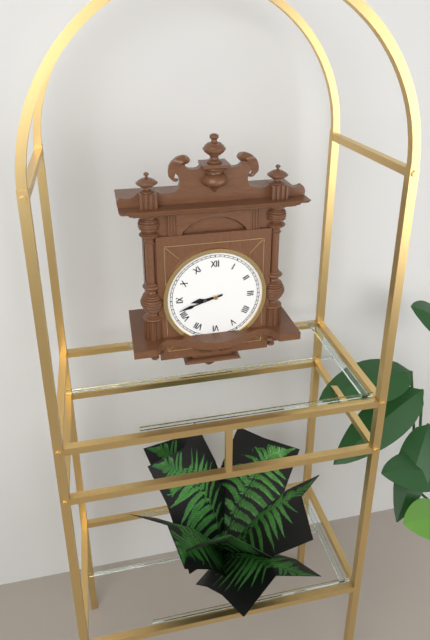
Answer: 8.42
